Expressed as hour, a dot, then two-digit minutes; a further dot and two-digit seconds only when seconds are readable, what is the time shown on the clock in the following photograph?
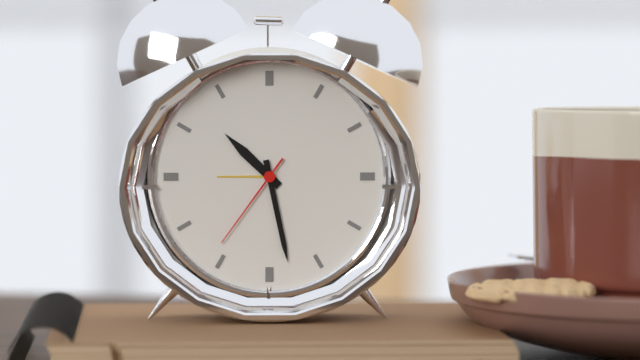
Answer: 10.28.36
